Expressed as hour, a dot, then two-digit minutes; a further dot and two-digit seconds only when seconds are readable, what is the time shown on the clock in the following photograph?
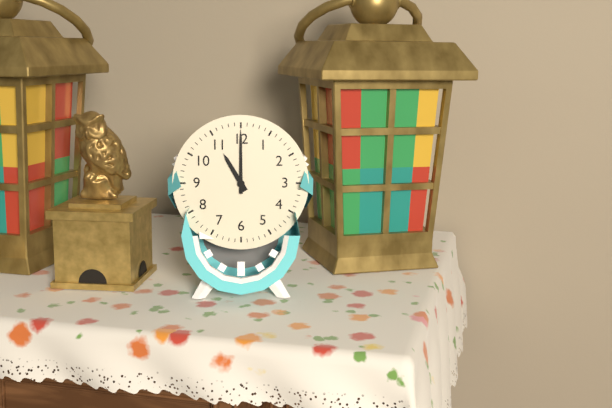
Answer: 11.00
